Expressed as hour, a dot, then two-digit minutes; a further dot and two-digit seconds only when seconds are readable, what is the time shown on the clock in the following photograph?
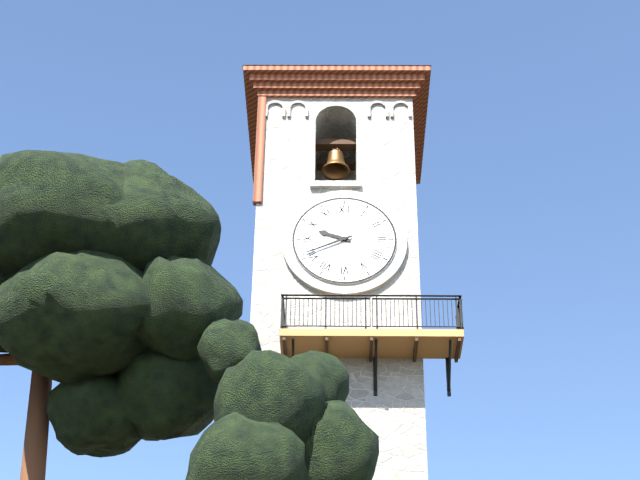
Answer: 9.41
